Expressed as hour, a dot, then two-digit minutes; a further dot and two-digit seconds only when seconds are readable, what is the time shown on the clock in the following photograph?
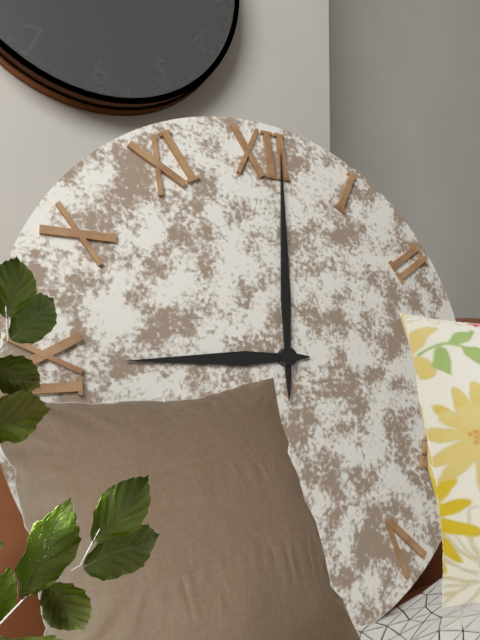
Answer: 9.01
